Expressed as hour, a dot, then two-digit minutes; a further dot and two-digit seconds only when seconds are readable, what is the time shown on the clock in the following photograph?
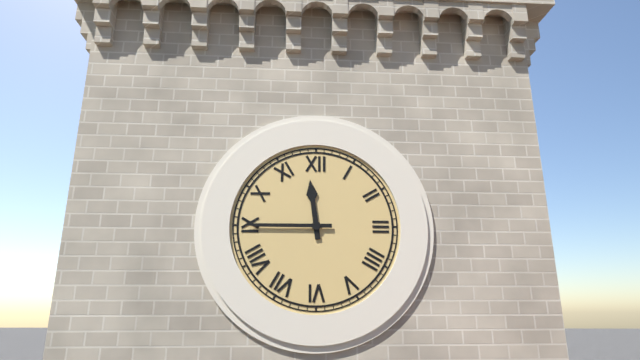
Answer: 11.45
